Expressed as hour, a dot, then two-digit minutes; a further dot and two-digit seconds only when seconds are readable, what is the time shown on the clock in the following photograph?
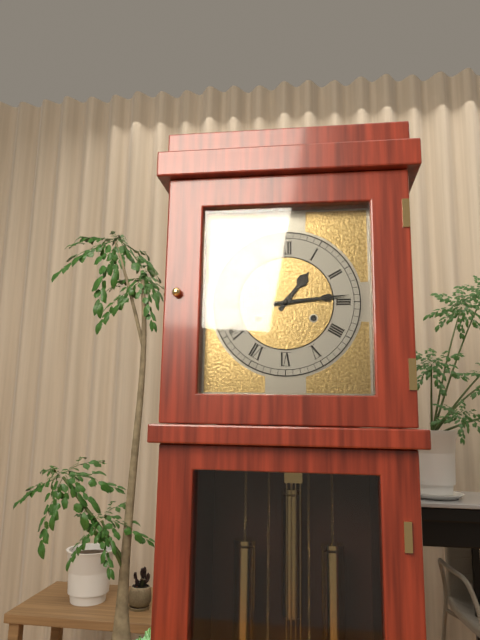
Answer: 1.14
